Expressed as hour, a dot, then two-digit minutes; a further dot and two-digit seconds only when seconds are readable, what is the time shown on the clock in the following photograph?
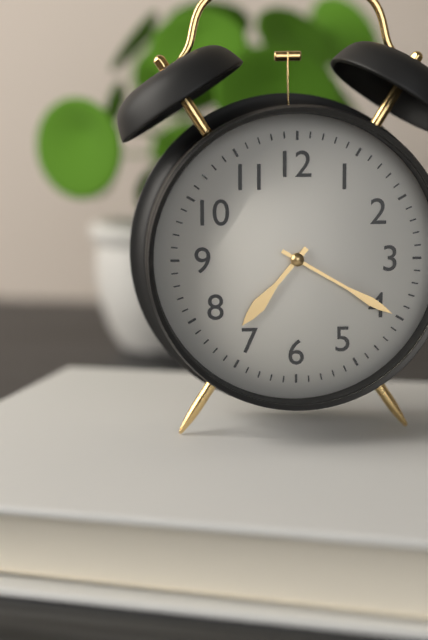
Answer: 7.20
